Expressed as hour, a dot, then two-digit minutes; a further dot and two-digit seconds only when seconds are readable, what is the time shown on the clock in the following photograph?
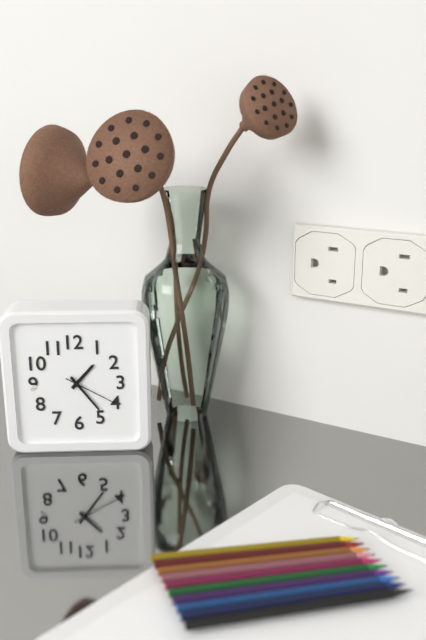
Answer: 1.24.20
